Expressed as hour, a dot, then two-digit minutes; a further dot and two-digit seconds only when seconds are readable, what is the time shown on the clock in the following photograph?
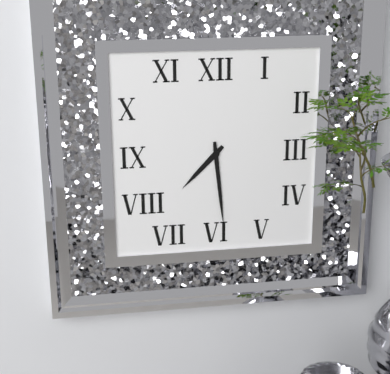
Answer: 7.29
